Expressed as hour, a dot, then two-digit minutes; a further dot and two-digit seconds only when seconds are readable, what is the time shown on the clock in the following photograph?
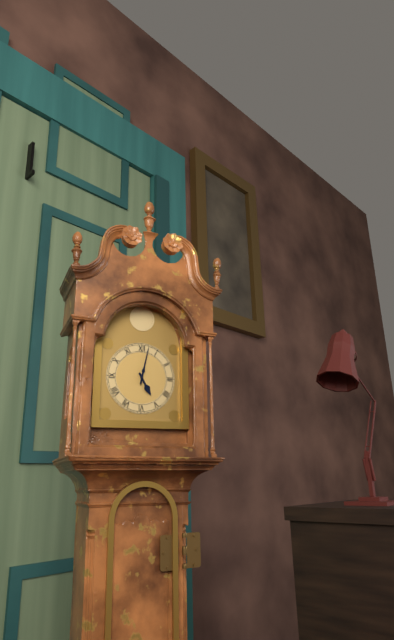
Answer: 5.02
